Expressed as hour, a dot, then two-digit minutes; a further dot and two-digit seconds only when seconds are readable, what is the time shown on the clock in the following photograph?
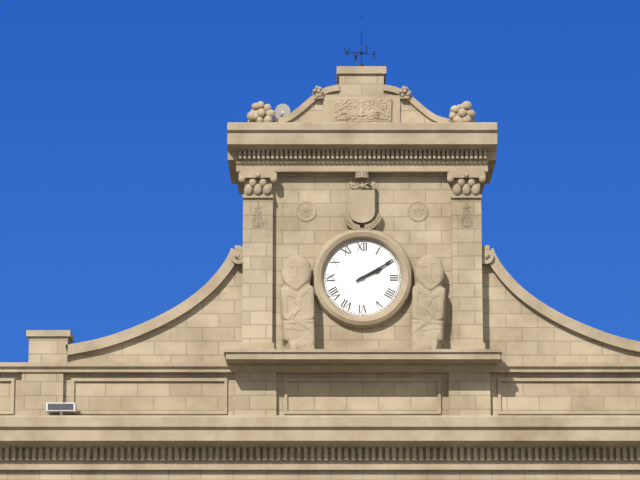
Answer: 2.10
